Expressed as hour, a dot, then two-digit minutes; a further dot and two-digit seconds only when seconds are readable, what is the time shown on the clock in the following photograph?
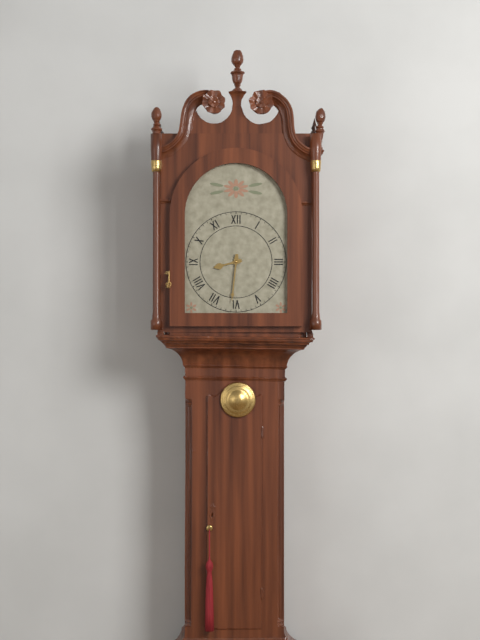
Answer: 8.31
